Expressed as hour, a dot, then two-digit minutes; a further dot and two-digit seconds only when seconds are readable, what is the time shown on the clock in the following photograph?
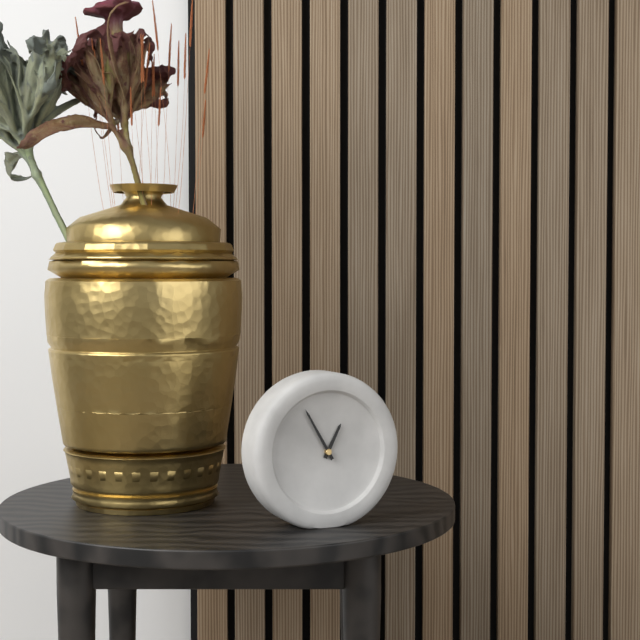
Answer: 12.55
